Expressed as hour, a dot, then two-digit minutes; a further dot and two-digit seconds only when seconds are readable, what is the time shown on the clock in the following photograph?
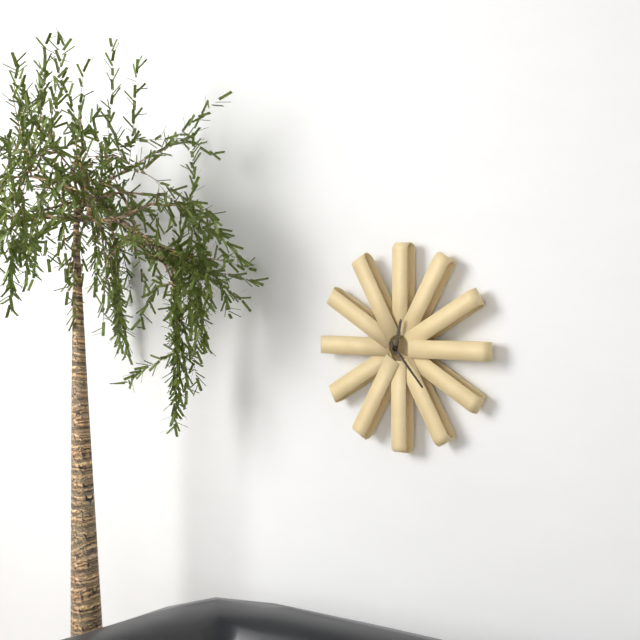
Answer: 12.23
